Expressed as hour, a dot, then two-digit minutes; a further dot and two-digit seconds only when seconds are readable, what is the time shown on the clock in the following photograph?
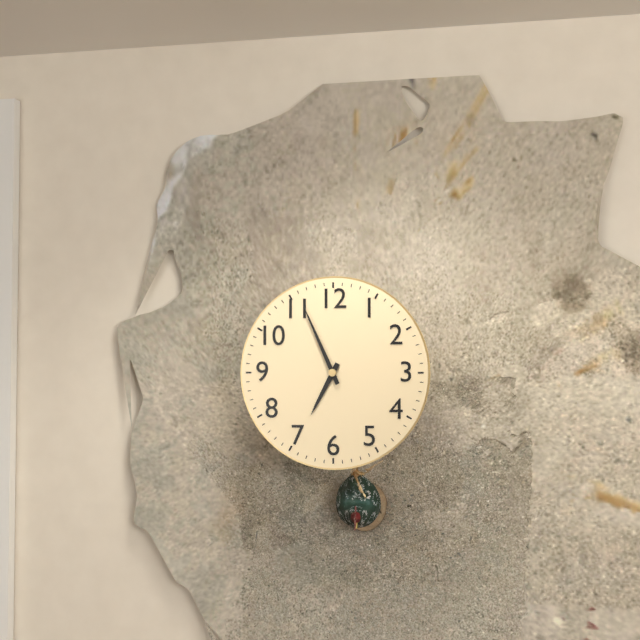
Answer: 6.56
